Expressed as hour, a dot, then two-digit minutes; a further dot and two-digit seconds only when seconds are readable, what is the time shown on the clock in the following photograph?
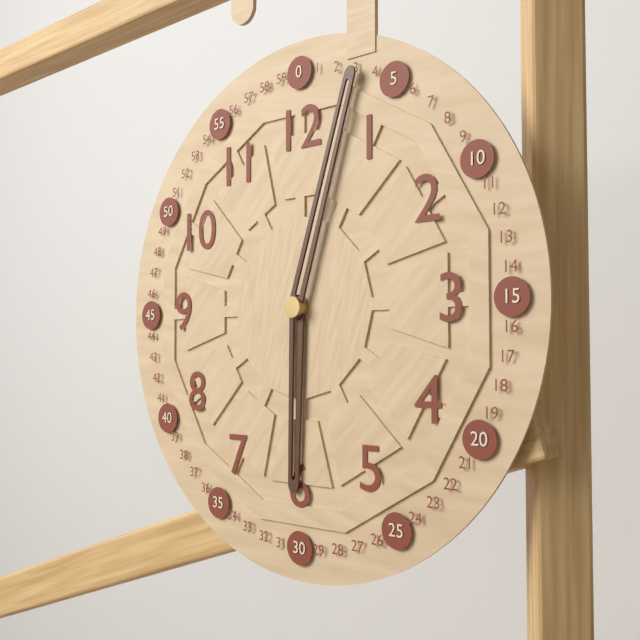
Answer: 6.03
